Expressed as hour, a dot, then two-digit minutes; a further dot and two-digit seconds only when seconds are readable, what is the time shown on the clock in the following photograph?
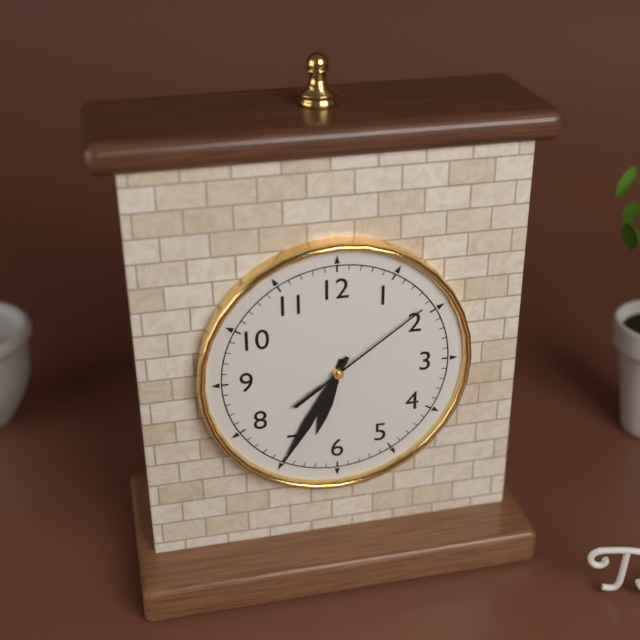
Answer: 6.35.09
